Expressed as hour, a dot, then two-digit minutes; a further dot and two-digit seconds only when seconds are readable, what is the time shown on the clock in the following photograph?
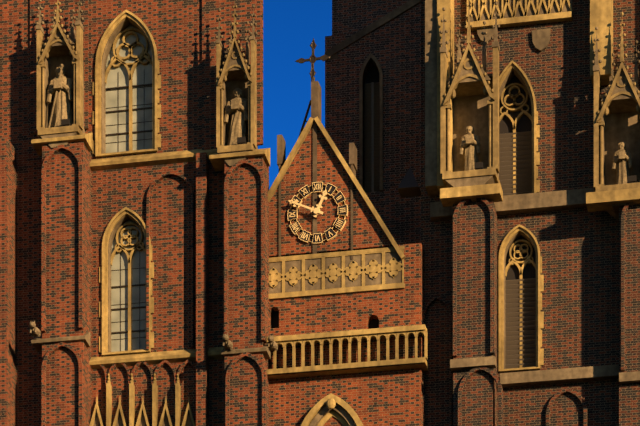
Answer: 12.49
